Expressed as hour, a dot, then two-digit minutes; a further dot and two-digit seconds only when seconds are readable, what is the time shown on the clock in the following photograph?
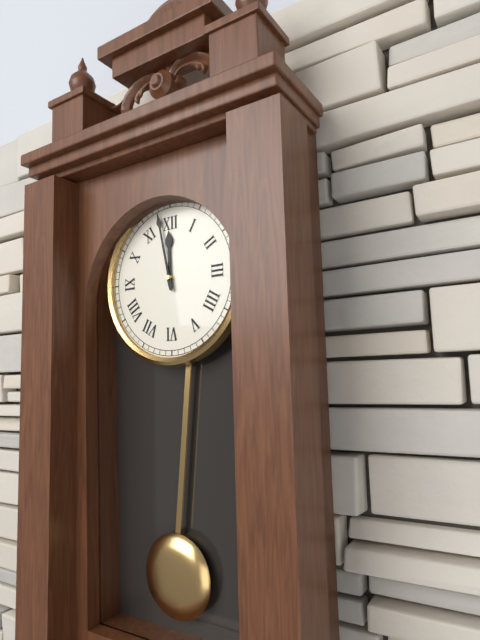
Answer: 11.58
